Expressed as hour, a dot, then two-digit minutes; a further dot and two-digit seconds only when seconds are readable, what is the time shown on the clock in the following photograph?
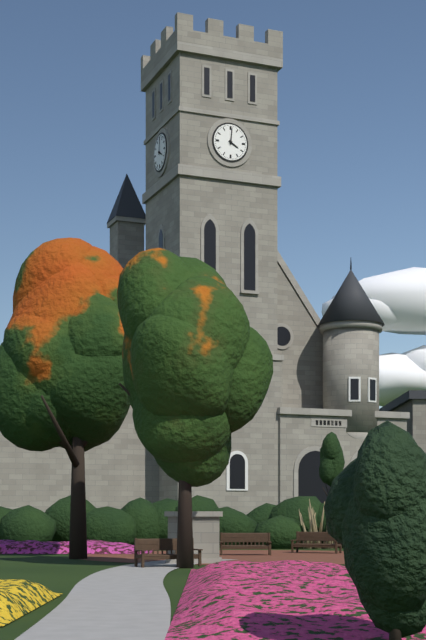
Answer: 4.01
